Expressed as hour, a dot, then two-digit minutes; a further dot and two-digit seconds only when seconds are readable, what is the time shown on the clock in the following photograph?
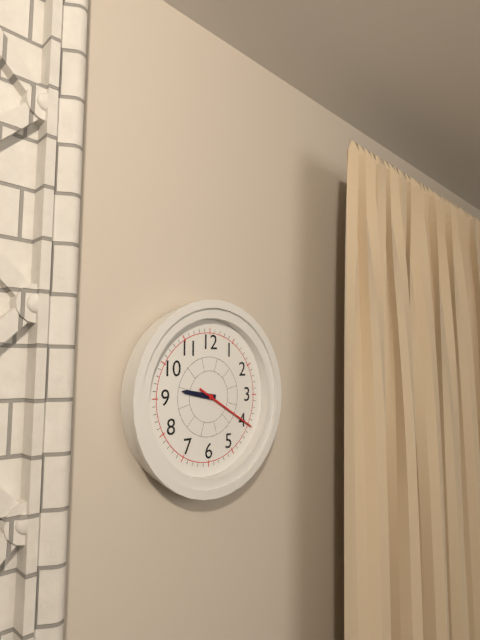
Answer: 9.20
